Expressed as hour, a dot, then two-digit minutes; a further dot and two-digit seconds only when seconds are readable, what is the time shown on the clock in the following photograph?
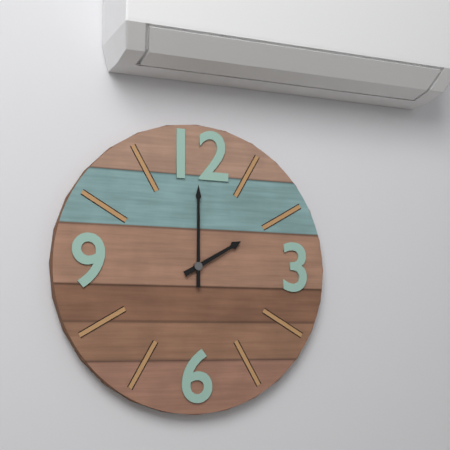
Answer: 2.00
